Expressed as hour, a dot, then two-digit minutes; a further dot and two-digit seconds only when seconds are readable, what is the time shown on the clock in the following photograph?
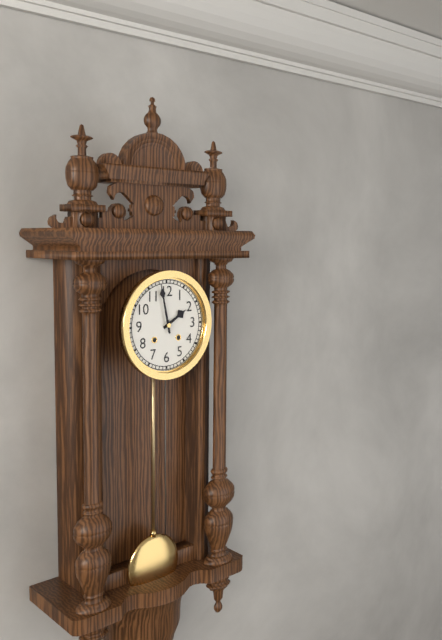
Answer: 1.58
